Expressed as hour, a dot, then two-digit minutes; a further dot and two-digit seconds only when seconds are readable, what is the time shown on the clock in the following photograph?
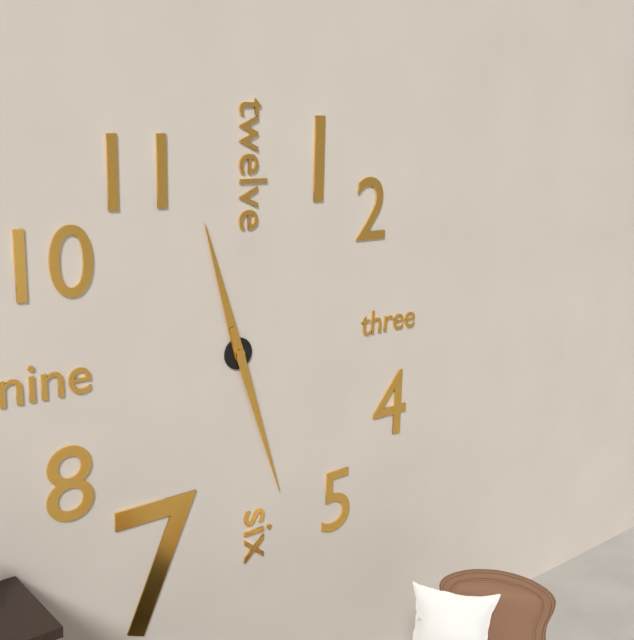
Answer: 11.27
